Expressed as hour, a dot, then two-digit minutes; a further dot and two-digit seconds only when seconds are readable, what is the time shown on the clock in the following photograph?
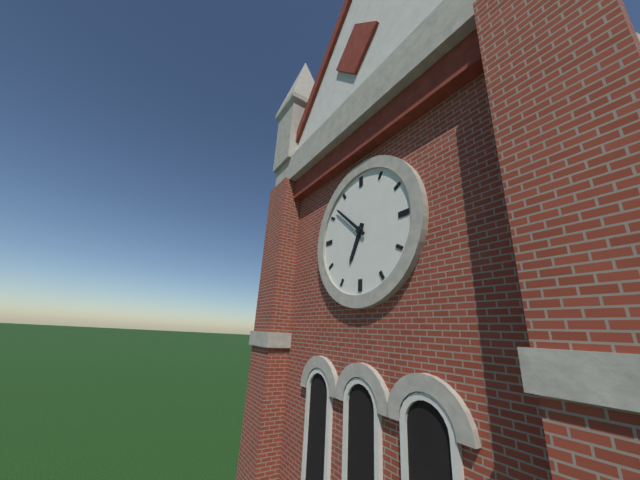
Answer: 6.52
